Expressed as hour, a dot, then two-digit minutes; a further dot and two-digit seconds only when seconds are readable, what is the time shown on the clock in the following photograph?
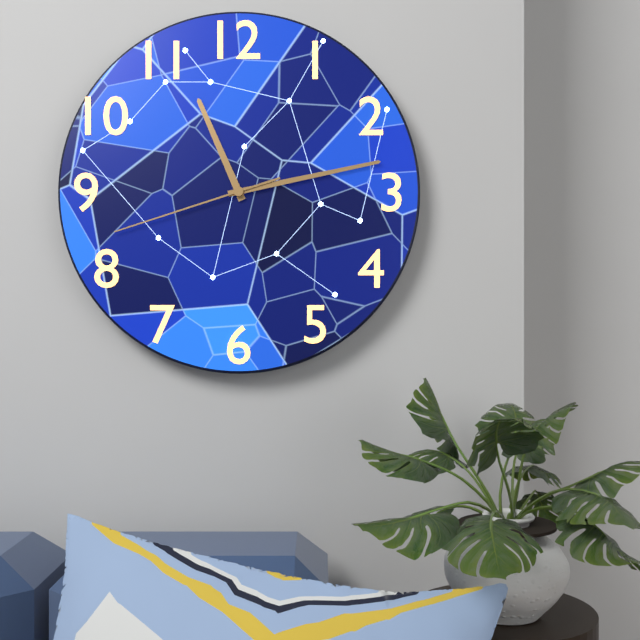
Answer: 11.13.42
